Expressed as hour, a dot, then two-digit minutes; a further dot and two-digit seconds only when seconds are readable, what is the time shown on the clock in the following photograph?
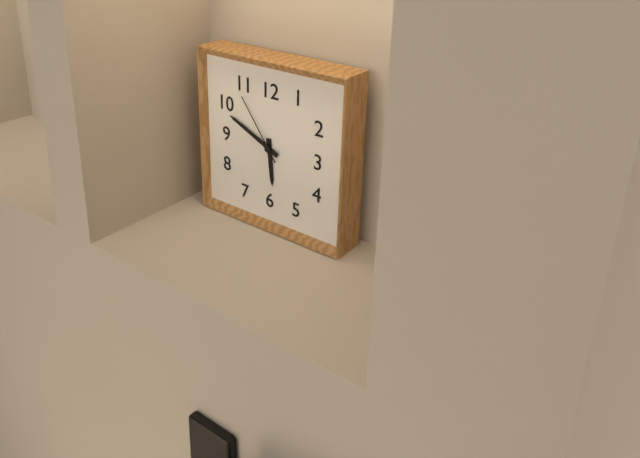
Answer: 5.49.54
